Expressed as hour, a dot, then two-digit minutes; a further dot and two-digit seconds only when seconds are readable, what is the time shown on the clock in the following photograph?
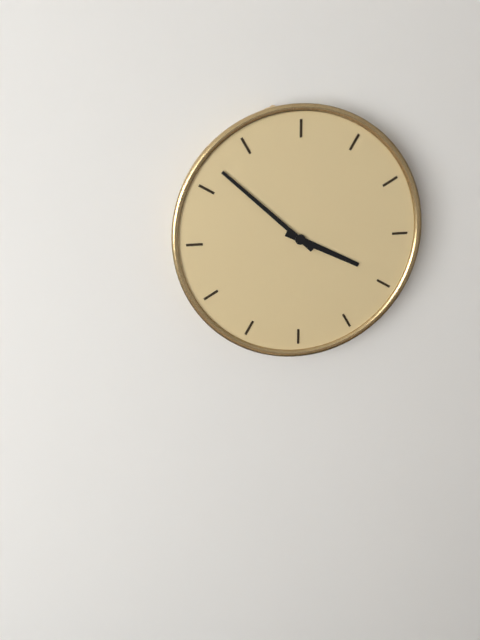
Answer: 3.52
